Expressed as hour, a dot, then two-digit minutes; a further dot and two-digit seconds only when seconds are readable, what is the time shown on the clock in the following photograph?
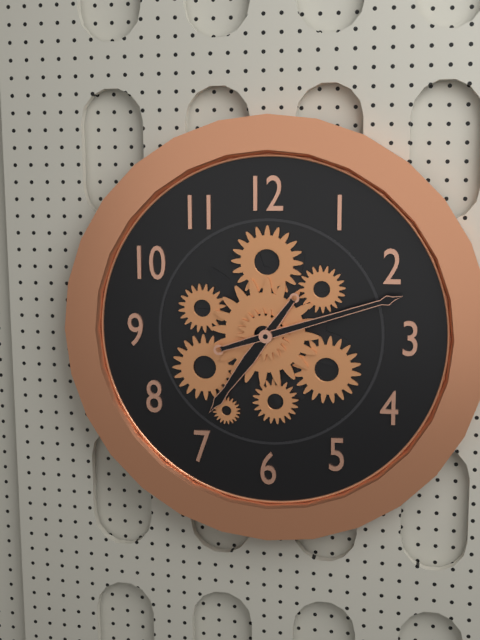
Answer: 7.12
